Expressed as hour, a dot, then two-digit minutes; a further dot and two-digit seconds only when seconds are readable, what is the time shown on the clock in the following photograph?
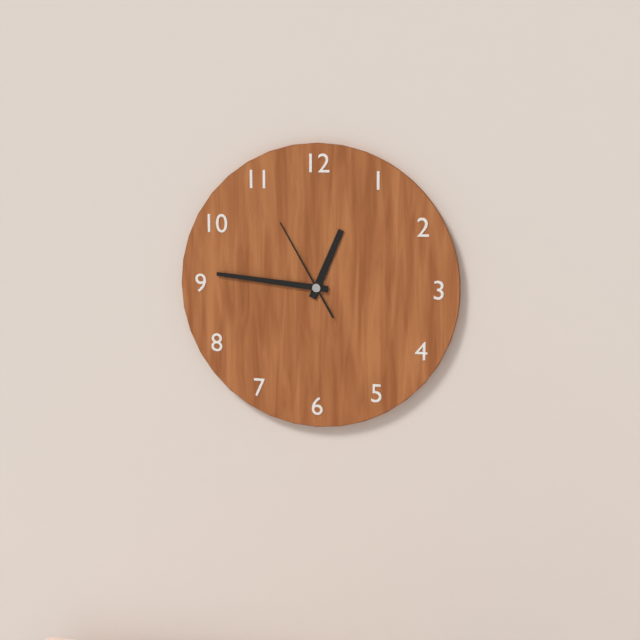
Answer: 12.46.55
